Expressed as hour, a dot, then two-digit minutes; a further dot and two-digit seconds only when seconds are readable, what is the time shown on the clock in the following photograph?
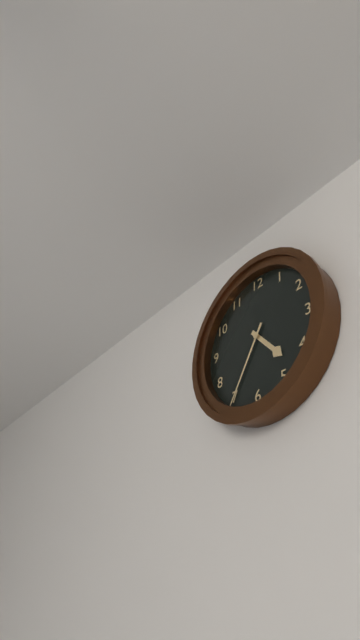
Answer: 4.35
